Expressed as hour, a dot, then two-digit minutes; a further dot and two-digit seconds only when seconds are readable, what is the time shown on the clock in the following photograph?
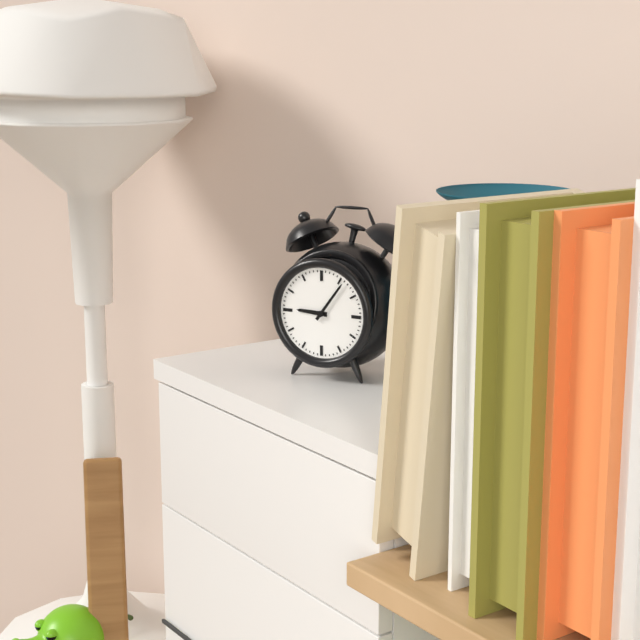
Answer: 9.06
